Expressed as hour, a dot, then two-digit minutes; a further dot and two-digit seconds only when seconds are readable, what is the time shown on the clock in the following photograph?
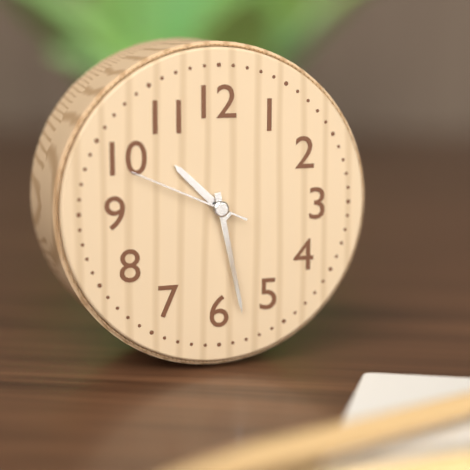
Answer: 10.28.49
